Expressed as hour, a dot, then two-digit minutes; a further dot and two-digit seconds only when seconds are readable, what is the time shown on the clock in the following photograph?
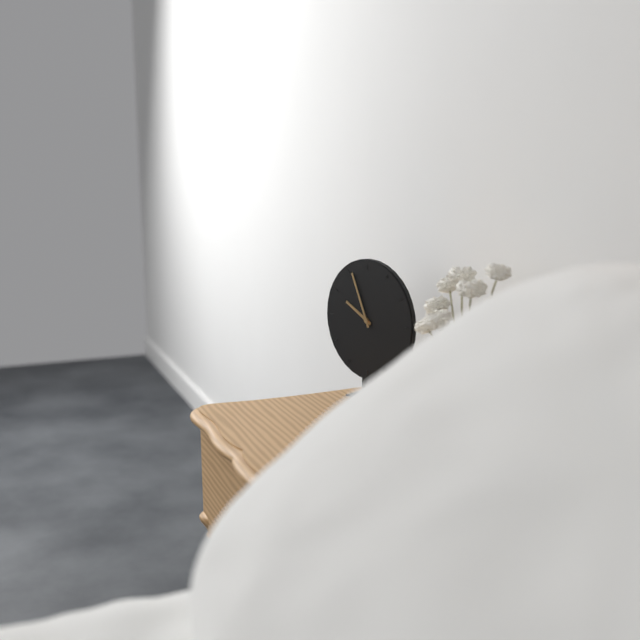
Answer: 9.56
